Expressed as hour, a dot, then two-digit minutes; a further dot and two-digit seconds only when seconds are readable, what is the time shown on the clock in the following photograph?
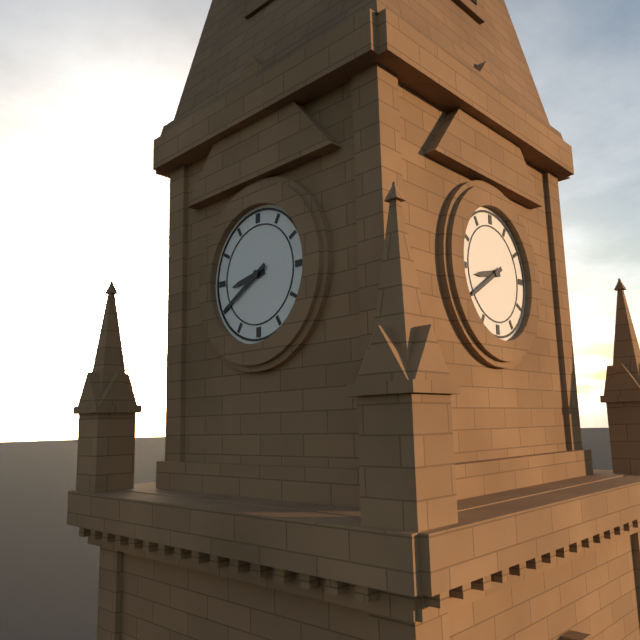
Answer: 8.40
